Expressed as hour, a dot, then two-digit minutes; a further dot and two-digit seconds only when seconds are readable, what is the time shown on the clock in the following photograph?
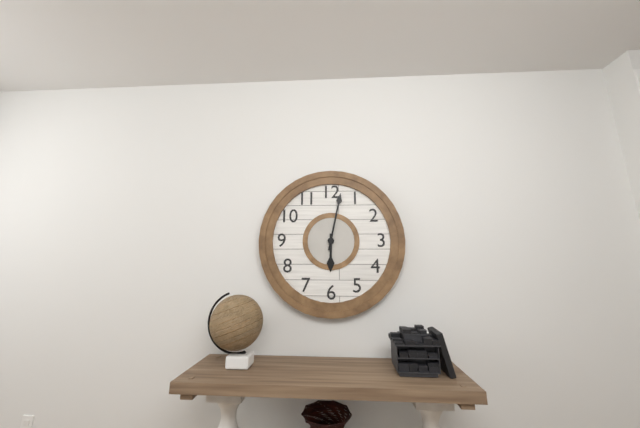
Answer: 6.02
